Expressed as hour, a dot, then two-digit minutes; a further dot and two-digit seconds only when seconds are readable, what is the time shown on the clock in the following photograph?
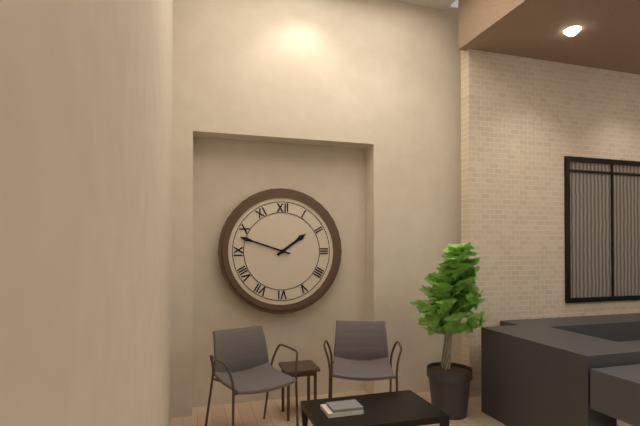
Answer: 1.48
